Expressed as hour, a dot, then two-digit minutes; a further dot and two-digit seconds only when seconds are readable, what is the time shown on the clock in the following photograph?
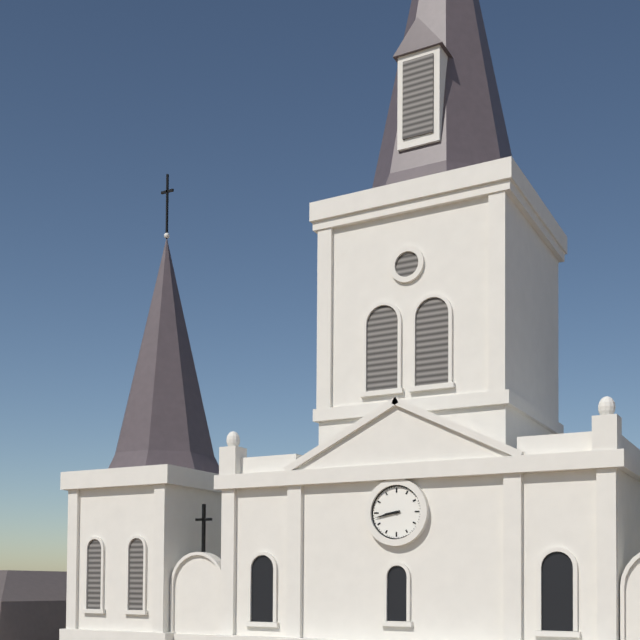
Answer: 8.43
